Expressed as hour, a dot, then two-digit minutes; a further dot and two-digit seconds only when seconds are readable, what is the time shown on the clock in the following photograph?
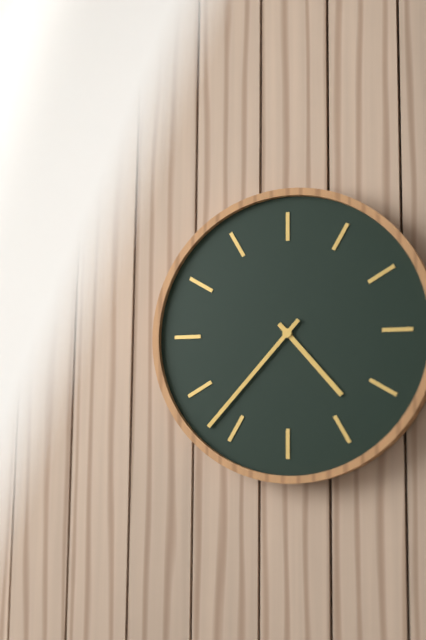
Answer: 4.37
